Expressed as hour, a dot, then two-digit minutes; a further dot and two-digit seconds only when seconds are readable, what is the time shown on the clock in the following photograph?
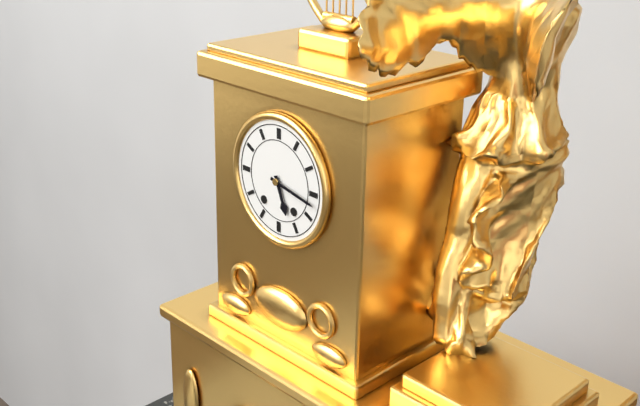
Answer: 5.17
